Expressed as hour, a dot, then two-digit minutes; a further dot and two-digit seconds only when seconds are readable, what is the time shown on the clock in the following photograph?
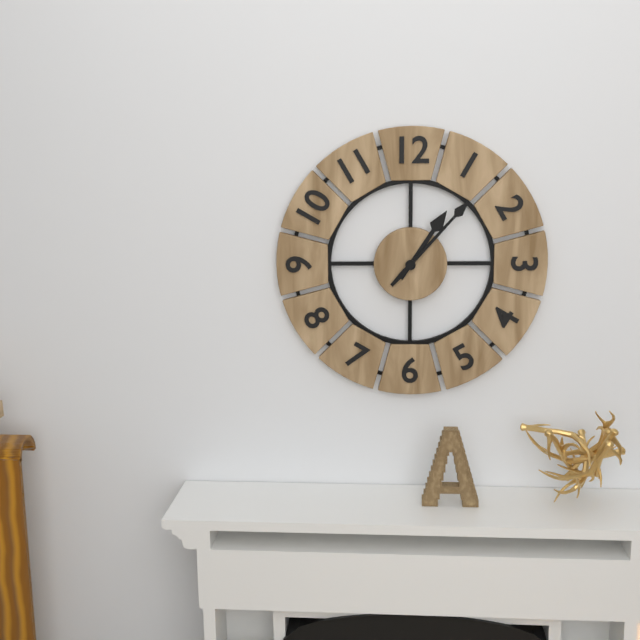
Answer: 1.07
